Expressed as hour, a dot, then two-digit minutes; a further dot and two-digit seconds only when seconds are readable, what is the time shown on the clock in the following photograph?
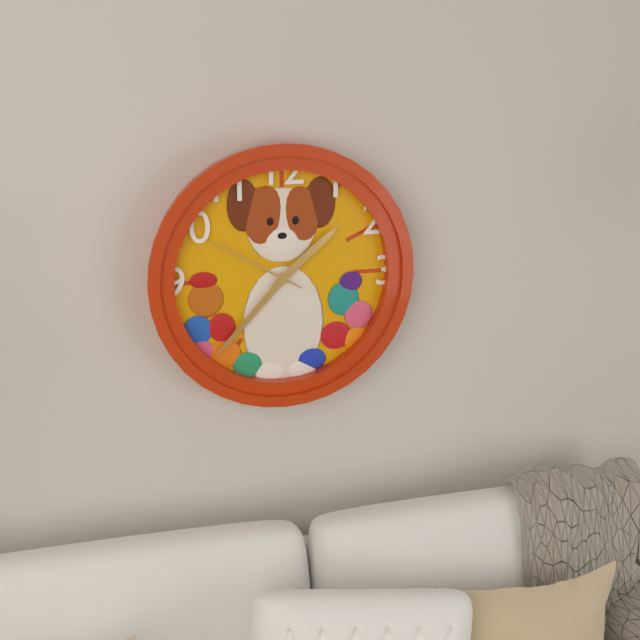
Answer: 1.37.50
